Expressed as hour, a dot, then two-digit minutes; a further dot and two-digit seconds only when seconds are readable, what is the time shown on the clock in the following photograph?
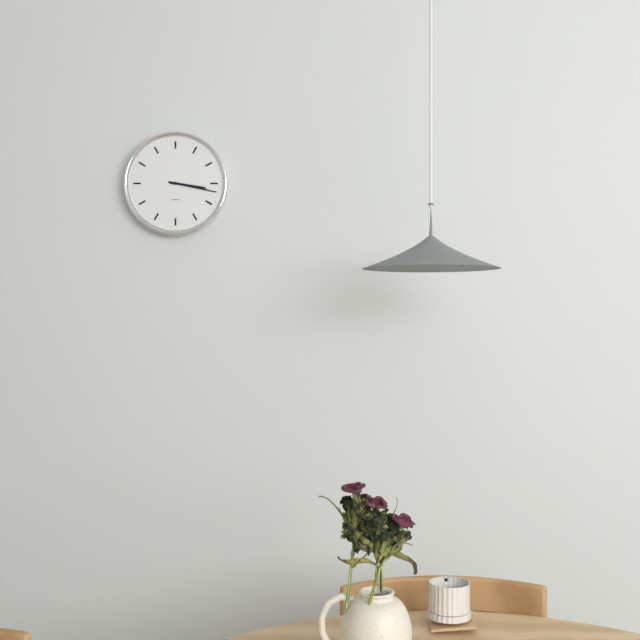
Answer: 3.17
